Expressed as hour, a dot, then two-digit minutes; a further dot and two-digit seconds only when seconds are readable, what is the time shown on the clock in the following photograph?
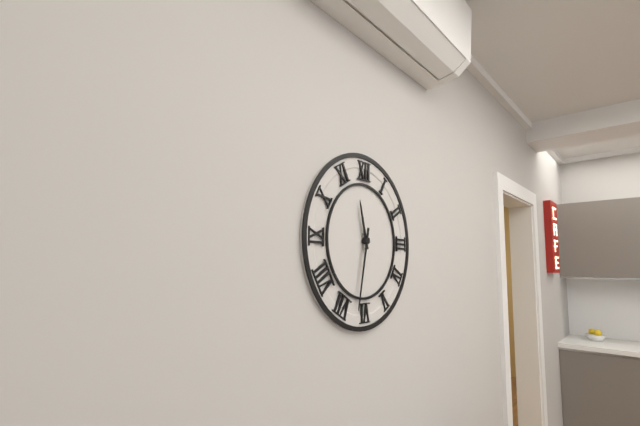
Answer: 11.32
